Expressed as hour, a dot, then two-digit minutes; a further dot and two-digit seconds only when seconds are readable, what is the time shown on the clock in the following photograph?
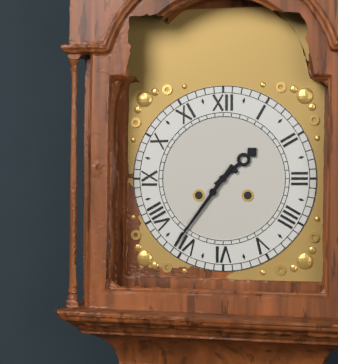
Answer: 1.36
